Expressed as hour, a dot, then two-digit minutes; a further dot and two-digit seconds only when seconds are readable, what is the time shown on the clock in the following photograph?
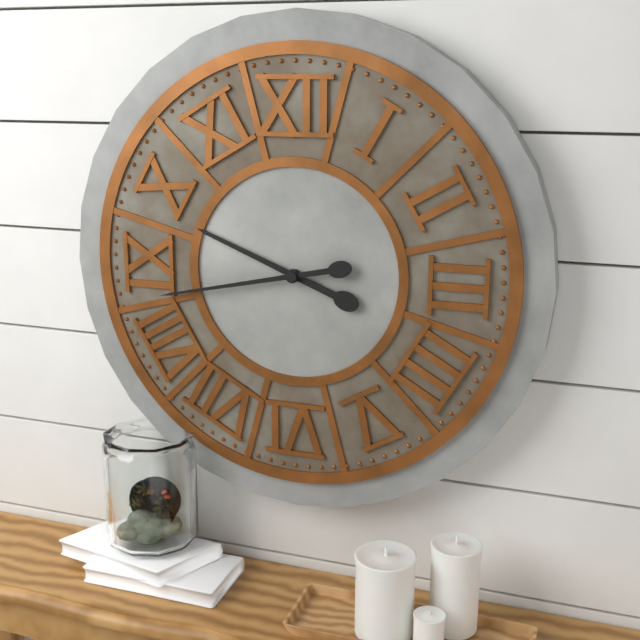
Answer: 9.43
